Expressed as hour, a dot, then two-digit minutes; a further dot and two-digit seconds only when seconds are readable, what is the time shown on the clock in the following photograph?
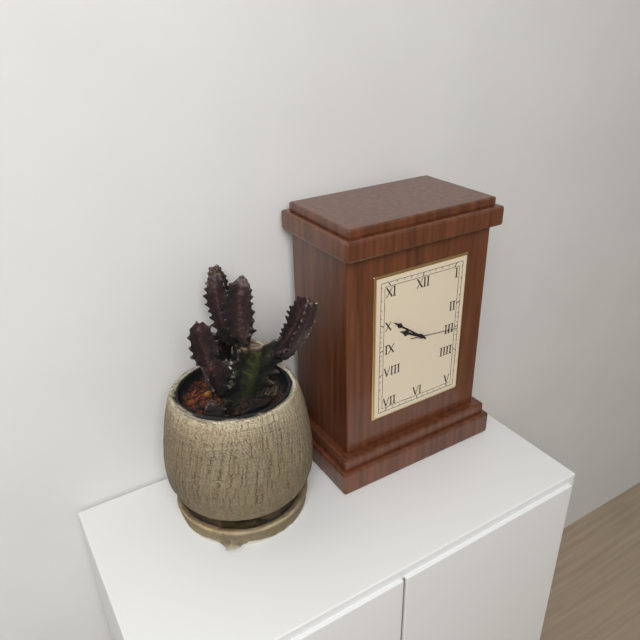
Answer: 9.51.16
